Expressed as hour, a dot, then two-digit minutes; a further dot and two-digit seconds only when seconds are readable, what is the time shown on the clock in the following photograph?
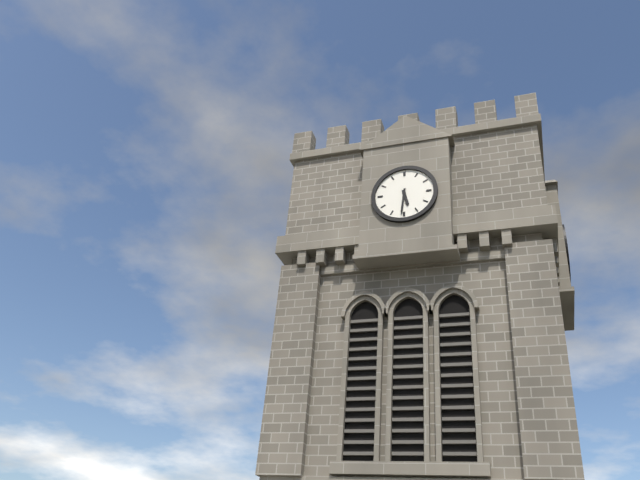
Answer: 5.31
